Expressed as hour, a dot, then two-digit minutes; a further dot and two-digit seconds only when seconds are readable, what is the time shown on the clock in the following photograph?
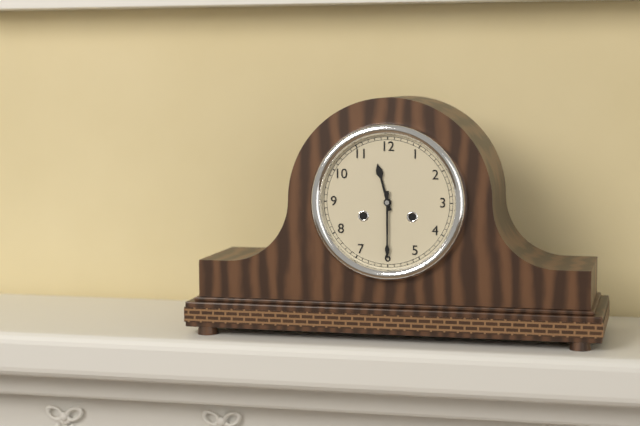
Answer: 11.30
